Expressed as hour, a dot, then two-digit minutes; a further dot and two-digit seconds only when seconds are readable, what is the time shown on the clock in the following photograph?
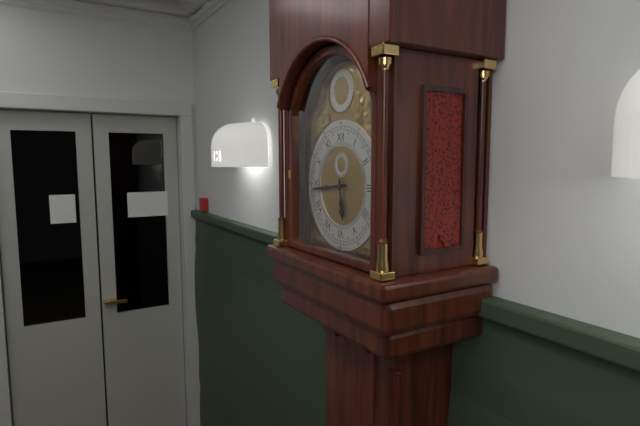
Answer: 5.44
